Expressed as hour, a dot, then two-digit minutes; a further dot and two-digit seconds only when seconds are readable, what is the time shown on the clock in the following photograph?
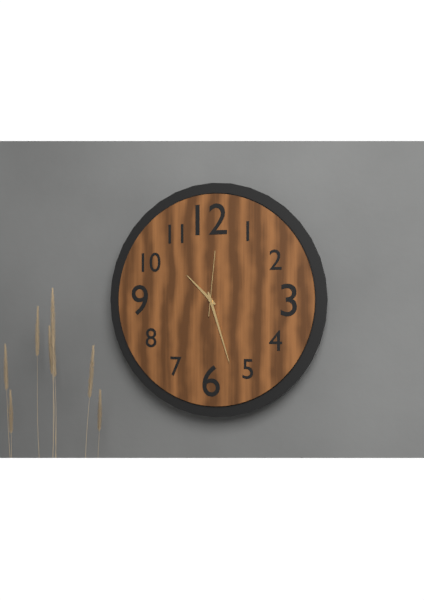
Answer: 10.27.01
